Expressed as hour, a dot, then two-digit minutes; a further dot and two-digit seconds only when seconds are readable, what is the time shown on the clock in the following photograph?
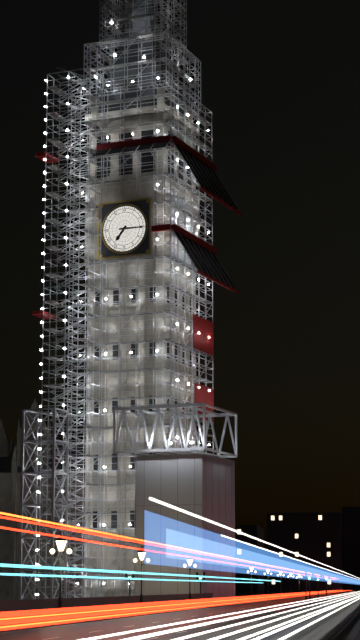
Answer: 7.15
